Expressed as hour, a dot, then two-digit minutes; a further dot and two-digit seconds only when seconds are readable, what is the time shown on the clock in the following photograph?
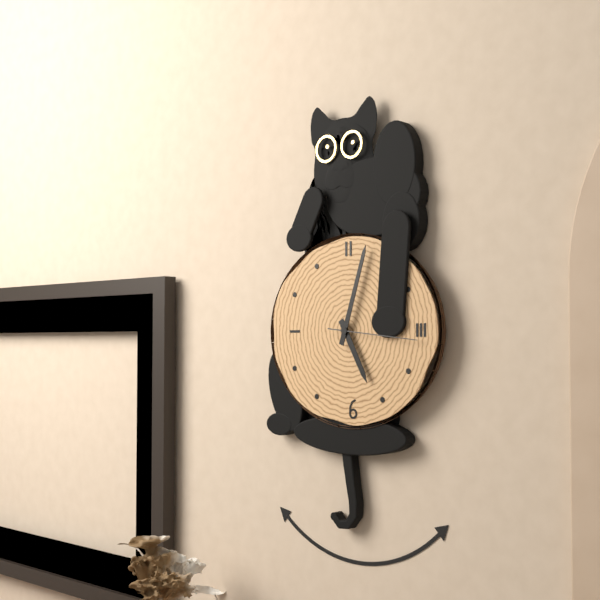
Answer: 5.03.16
